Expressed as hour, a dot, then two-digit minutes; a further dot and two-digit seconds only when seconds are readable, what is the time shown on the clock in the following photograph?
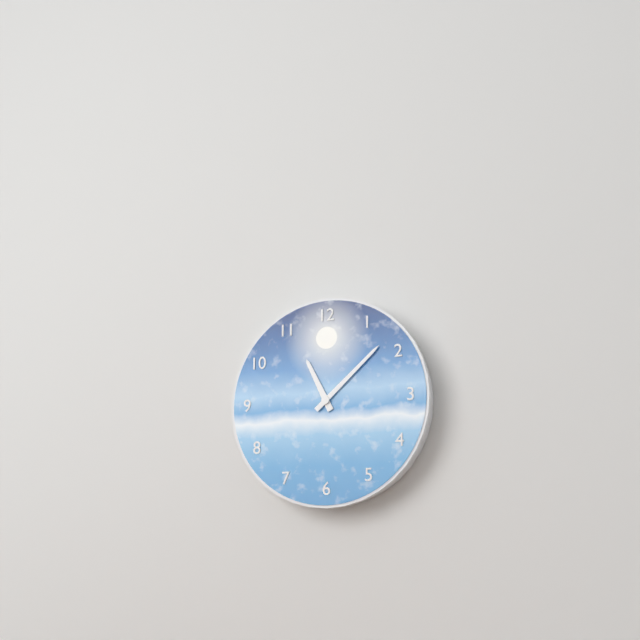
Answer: 11.08
